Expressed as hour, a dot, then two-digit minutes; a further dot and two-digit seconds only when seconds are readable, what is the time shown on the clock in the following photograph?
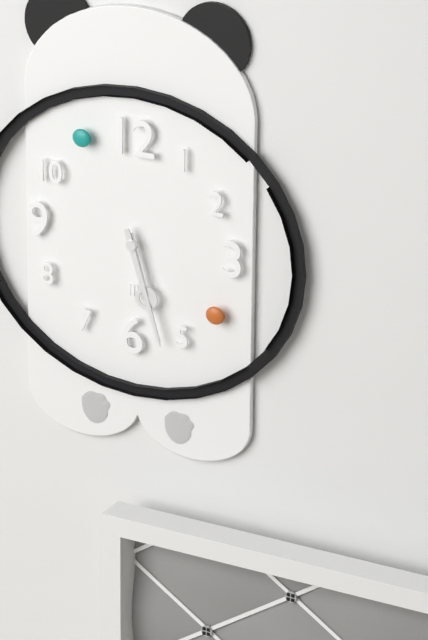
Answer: 5.27
